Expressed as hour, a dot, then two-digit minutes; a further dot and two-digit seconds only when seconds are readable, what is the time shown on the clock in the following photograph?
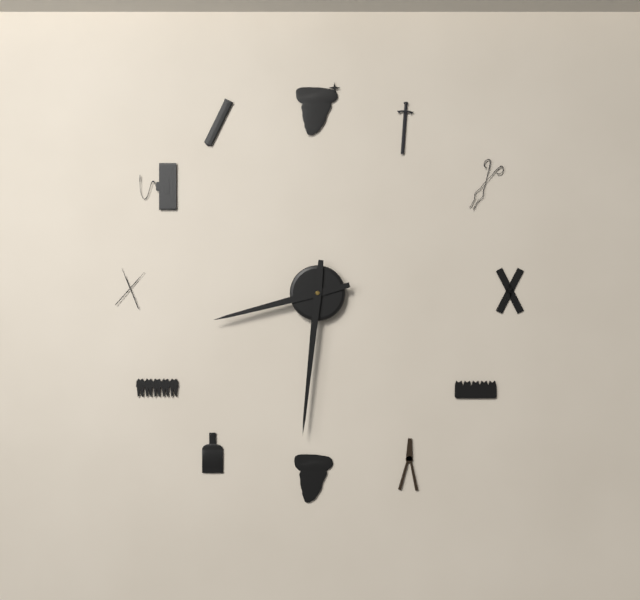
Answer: 8.31
